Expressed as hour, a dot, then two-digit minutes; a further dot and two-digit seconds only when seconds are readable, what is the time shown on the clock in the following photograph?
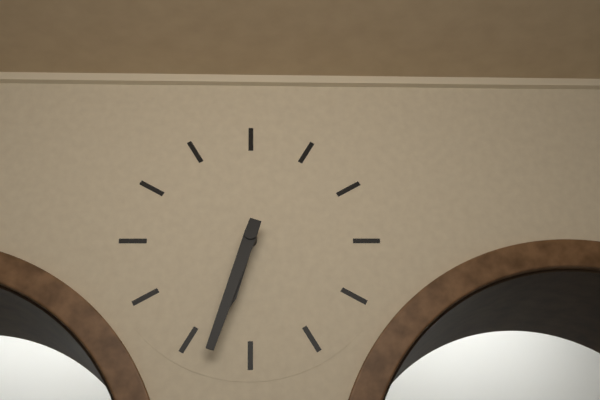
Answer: 6.33
